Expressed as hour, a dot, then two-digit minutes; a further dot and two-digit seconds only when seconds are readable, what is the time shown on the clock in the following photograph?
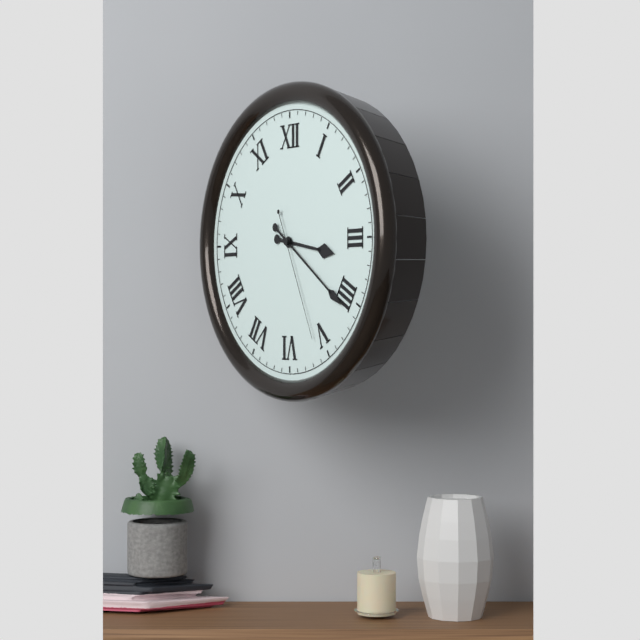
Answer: 3.21.26
